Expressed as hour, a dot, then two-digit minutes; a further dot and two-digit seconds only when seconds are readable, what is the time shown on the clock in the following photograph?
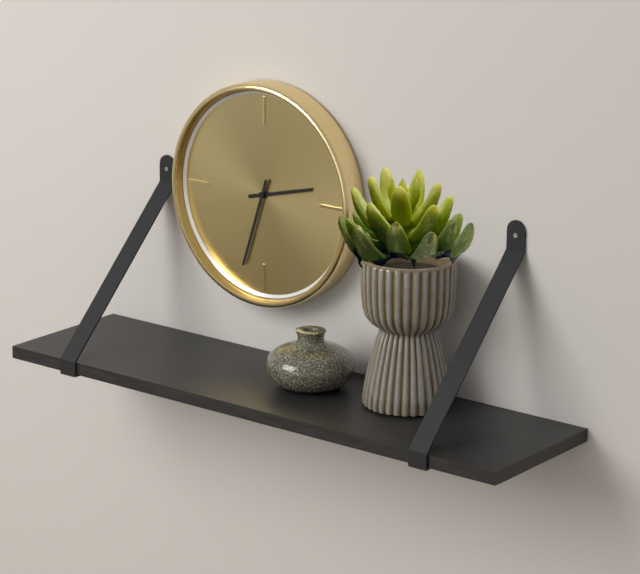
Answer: 2.33
